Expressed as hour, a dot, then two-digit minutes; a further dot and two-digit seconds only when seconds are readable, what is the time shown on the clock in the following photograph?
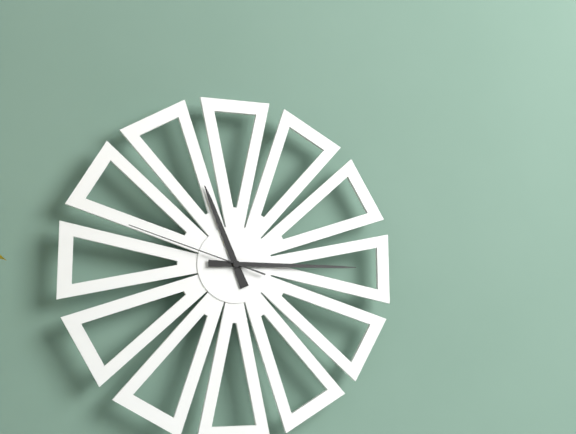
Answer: 11.15.48
